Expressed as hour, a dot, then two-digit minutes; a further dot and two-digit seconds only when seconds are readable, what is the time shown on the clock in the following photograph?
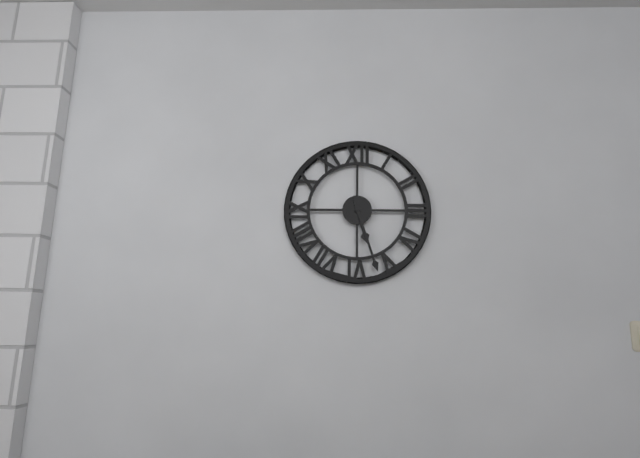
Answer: 5.27
